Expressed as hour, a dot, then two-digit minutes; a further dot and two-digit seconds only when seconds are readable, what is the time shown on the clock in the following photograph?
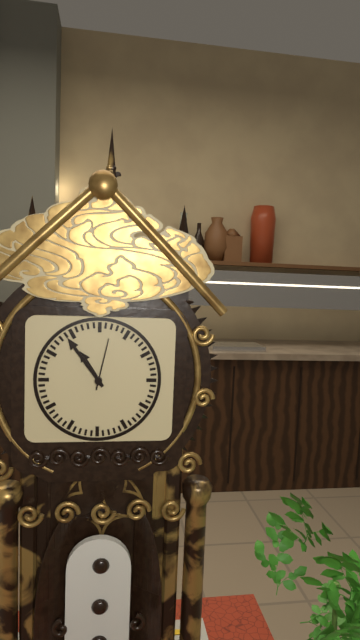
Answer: 10.54.02
